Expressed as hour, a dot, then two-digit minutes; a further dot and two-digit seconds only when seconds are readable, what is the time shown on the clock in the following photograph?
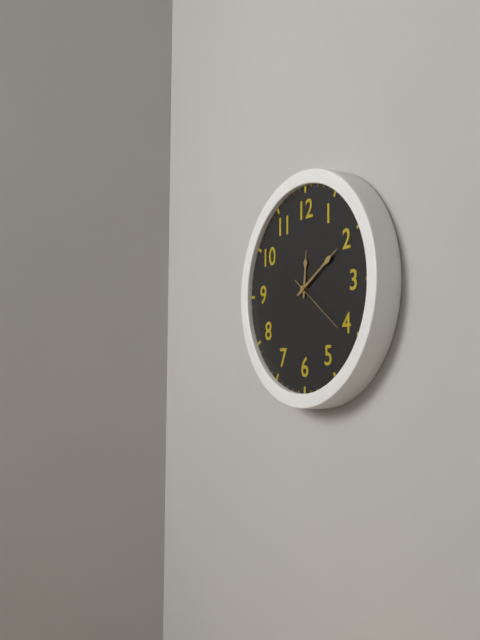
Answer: 12.10.21
